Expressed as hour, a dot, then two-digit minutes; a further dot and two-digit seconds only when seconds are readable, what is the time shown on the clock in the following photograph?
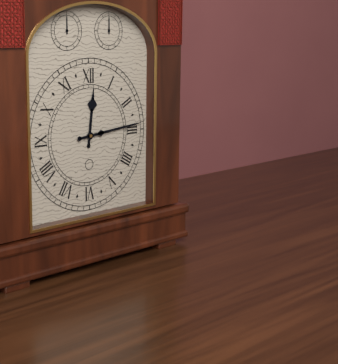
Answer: 12.14
